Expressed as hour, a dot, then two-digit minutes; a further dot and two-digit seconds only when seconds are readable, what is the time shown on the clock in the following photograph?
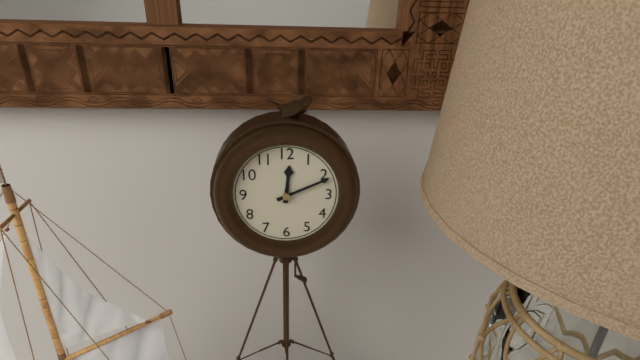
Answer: 12.11
